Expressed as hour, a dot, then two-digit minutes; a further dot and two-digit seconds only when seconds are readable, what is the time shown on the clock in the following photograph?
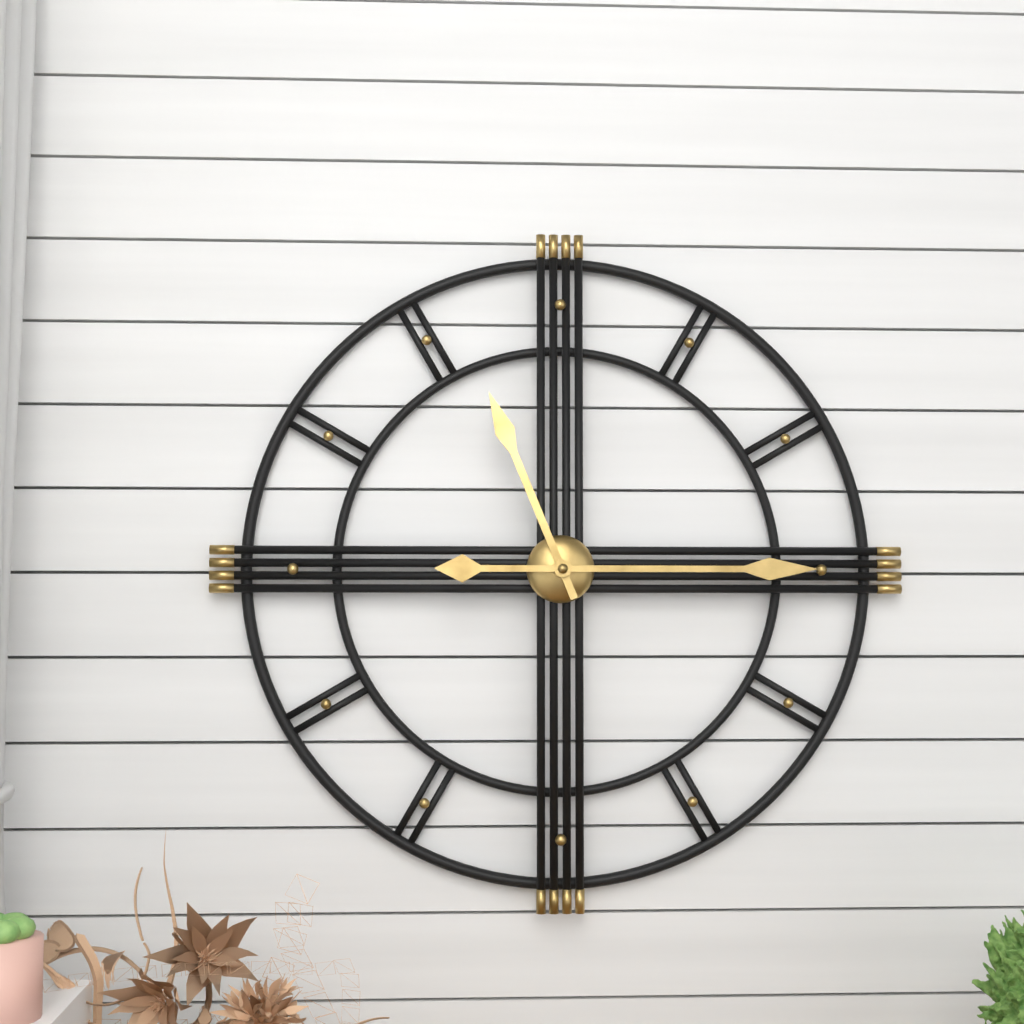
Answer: 11.15
